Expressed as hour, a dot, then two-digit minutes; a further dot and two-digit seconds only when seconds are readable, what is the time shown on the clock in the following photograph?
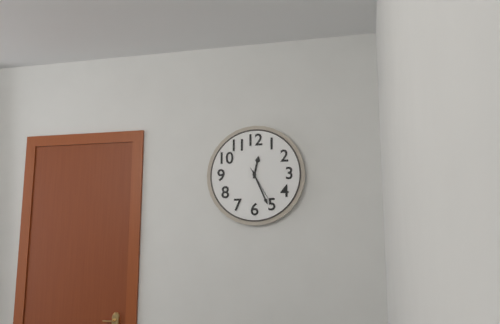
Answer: 12.26
